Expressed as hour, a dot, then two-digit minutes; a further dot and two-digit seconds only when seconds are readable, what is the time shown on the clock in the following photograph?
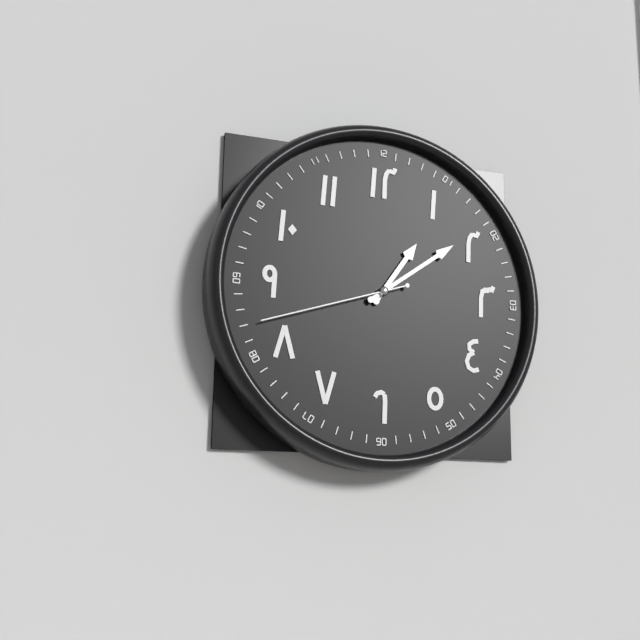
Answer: 1.09.42
